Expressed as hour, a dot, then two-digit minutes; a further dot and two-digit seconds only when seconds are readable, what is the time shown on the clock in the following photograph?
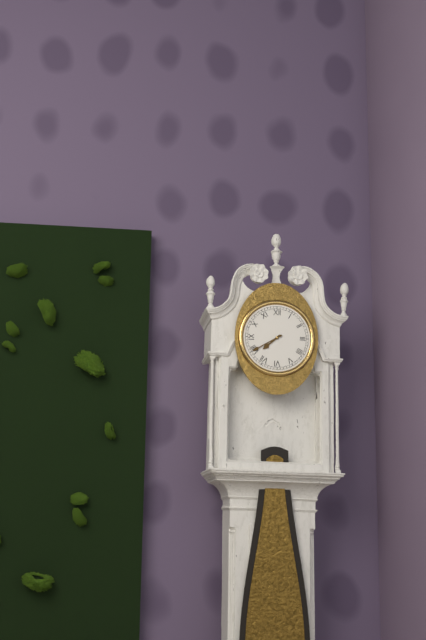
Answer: 7.40
